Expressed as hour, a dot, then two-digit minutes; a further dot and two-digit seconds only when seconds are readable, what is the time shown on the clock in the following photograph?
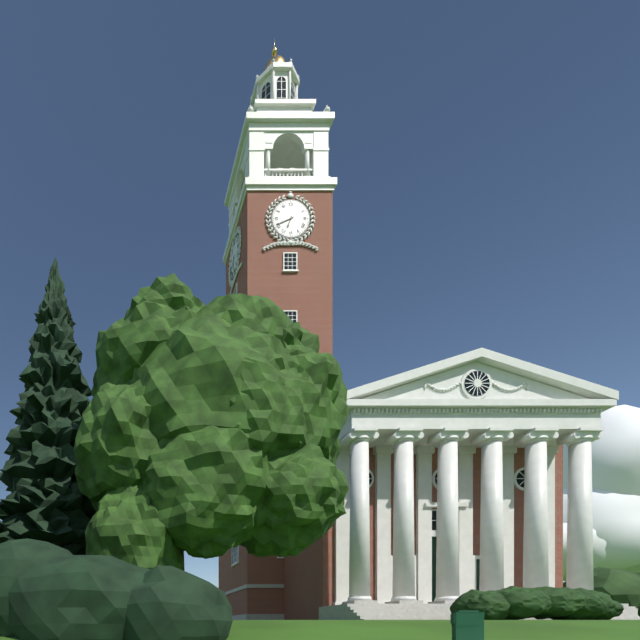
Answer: 6.41
